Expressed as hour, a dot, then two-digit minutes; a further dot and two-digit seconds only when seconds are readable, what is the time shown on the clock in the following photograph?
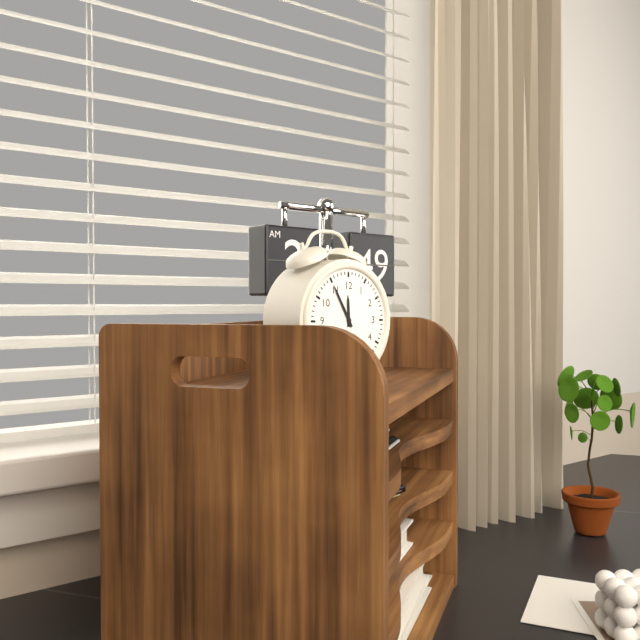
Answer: 11.55
